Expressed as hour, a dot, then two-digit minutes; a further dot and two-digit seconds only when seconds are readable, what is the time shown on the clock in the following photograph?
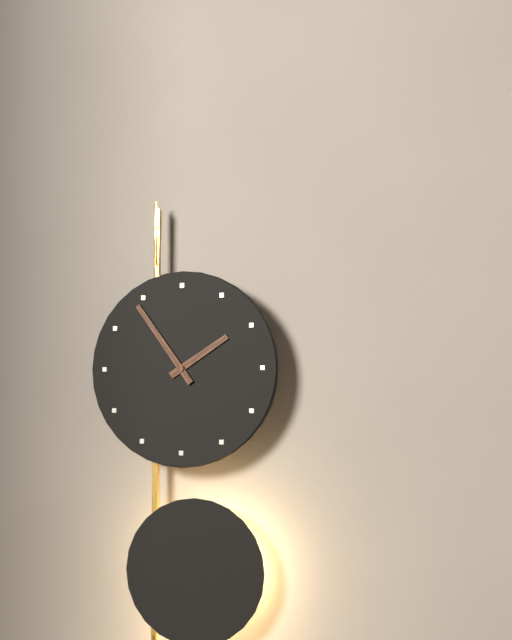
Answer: 1.54
